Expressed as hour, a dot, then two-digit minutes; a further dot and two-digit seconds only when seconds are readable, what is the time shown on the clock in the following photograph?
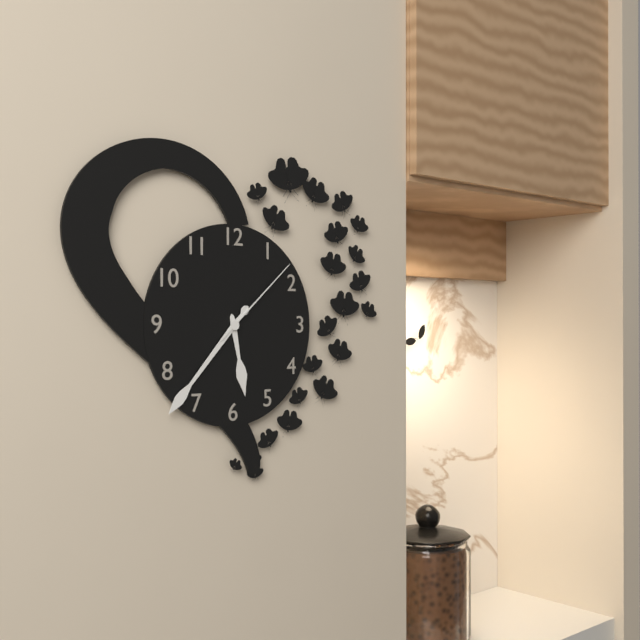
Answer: 5.37.08
